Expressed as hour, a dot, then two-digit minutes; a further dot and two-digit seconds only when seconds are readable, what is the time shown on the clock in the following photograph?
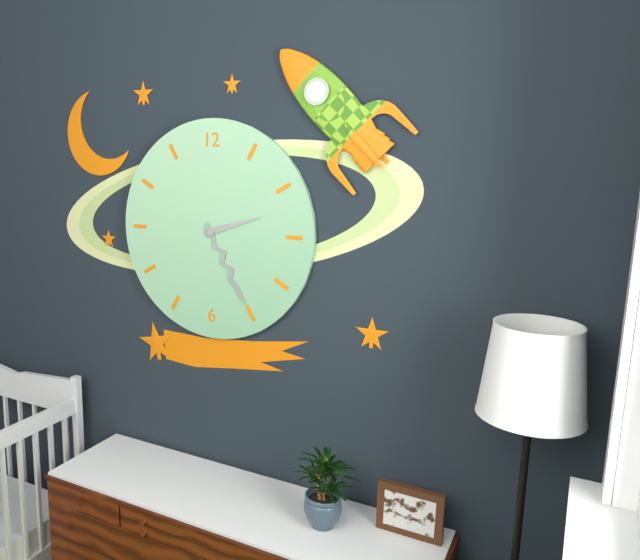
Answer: 2.25
